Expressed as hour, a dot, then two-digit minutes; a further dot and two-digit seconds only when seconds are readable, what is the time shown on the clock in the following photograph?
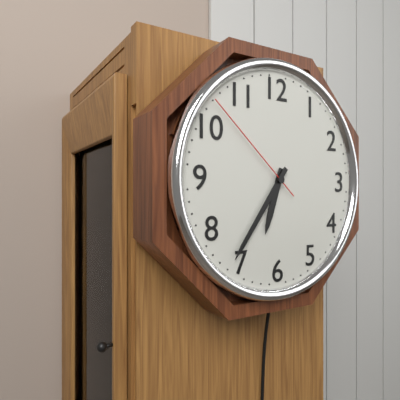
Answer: 6.36.52
